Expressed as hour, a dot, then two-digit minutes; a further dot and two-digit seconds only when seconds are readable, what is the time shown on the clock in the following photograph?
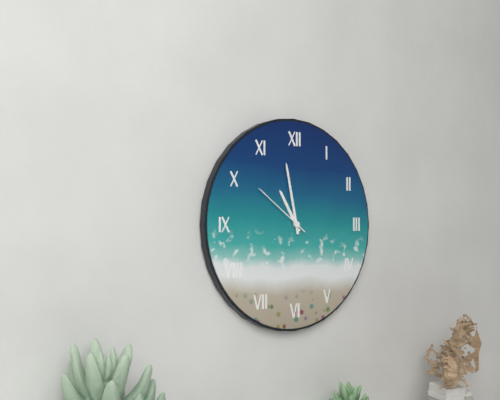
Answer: 10.58.51
